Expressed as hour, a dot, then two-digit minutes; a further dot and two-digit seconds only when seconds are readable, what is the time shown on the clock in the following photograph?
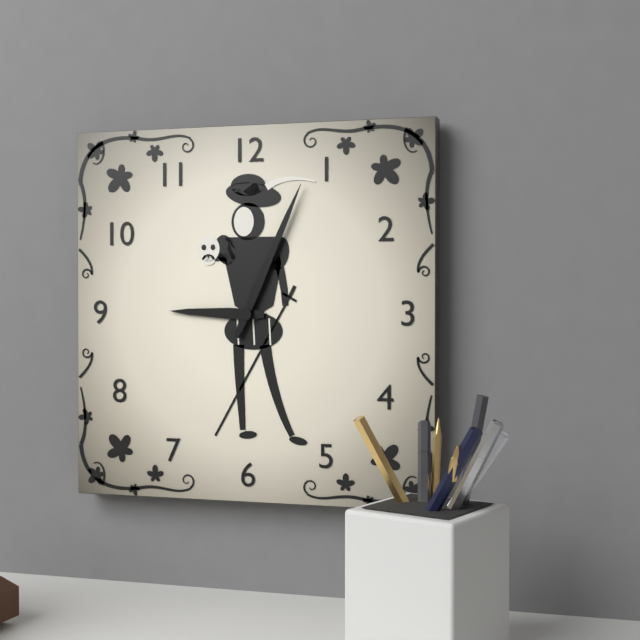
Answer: 9.04
